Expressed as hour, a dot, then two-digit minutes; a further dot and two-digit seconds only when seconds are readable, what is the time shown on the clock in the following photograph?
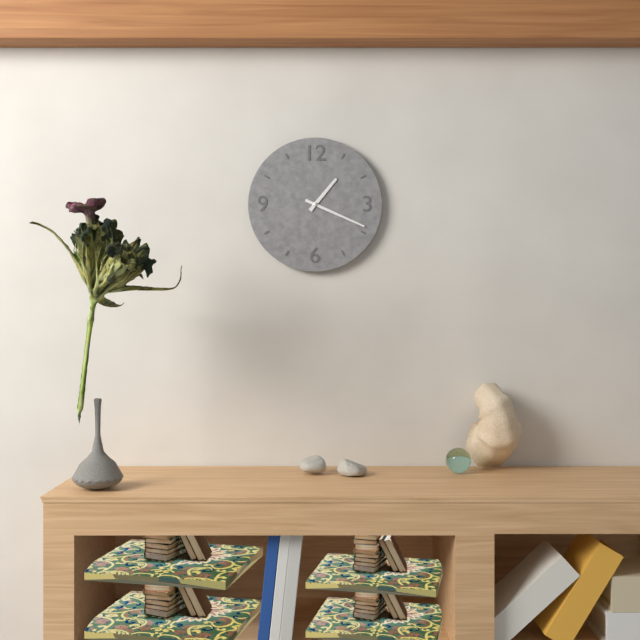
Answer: 1.19
